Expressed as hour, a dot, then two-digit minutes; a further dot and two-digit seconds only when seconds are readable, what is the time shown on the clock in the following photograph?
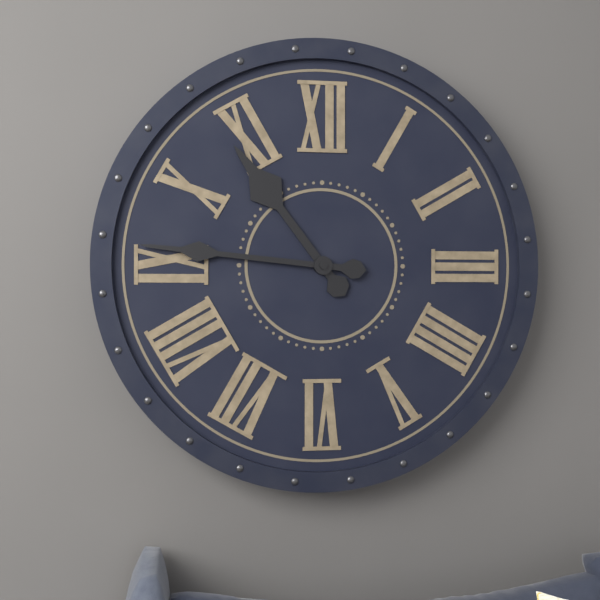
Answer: 10.46
